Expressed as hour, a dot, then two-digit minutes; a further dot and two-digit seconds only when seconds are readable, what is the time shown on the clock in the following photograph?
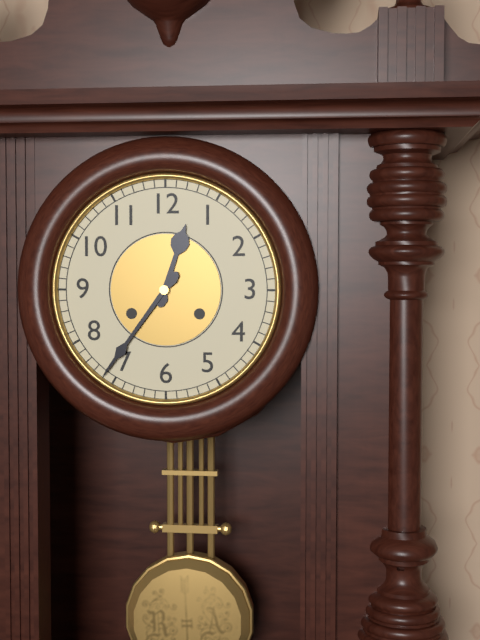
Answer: 12.36
